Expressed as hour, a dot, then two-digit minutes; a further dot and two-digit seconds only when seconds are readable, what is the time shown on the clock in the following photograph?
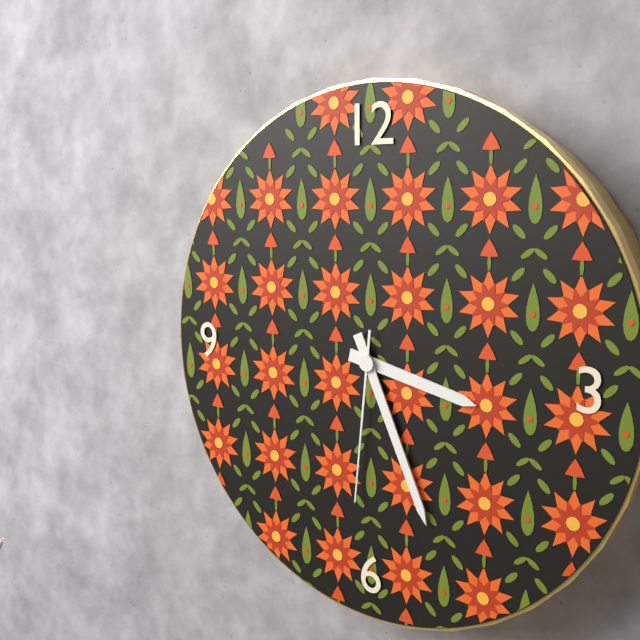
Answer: 3.26.31
